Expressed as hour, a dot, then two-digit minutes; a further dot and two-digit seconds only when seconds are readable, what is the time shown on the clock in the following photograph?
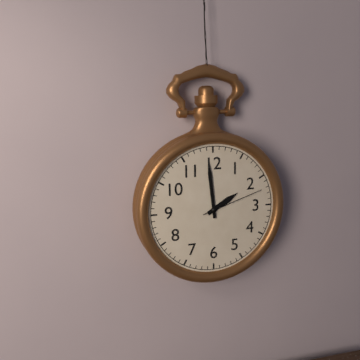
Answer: 1.59.12
